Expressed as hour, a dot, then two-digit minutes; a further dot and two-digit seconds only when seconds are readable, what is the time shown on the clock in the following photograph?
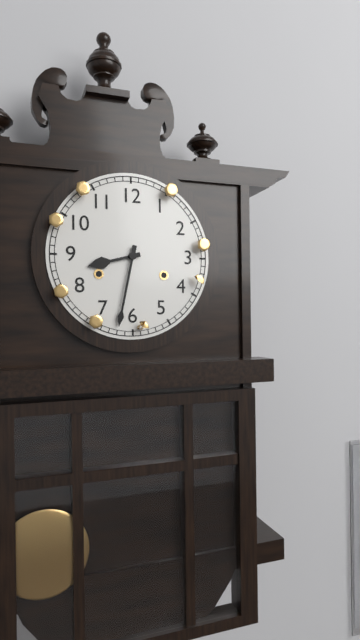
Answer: 8.32
